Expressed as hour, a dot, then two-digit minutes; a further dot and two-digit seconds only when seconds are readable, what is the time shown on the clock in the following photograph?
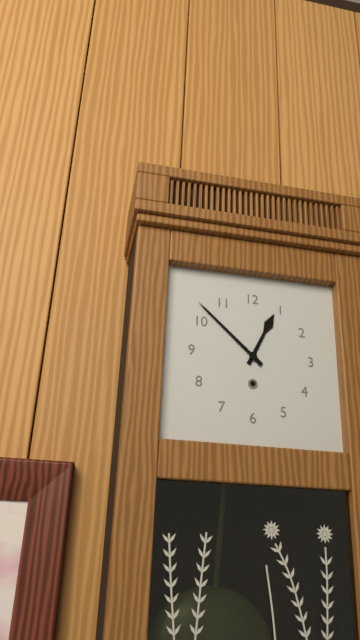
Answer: 12.52
